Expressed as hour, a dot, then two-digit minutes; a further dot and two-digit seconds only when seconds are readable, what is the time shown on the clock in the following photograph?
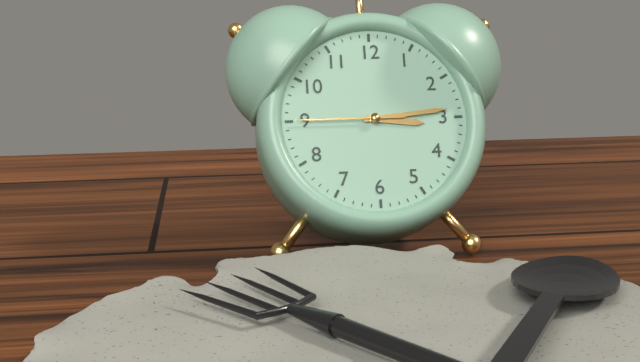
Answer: 3.14.45
